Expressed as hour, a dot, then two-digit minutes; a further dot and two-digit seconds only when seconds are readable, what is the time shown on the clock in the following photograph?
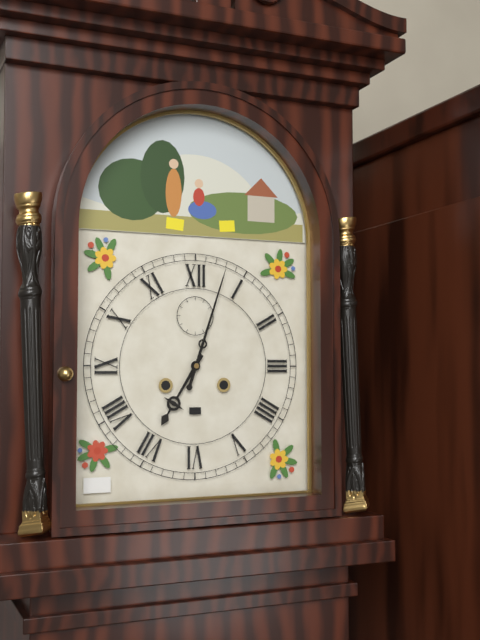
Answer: 7.03
